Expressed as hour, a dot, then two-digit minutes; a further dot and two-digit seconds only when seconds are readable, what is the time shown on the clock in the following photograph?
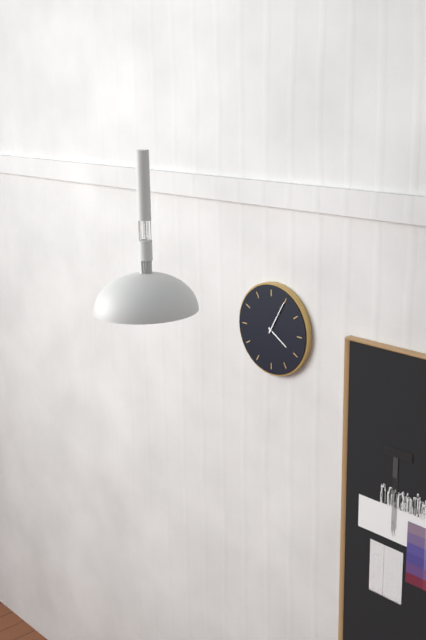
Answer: 4.05
